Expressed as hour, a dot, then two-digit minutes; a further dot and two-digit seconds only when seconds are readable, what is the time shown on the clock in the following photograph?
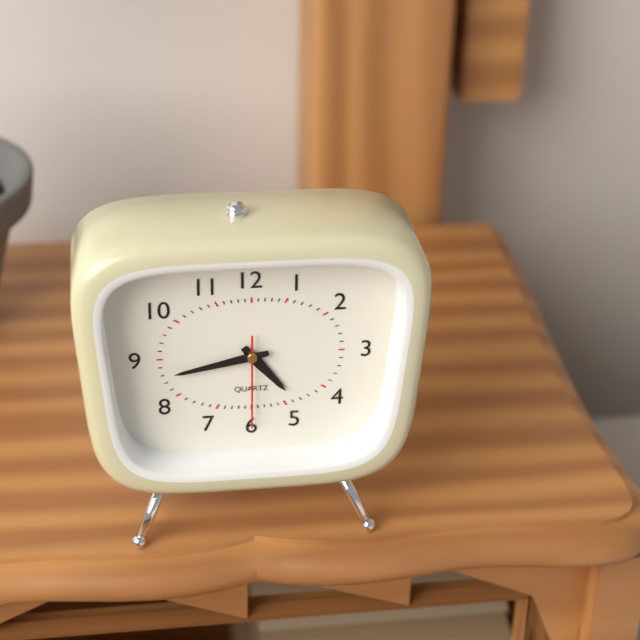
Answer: 4.43.30
